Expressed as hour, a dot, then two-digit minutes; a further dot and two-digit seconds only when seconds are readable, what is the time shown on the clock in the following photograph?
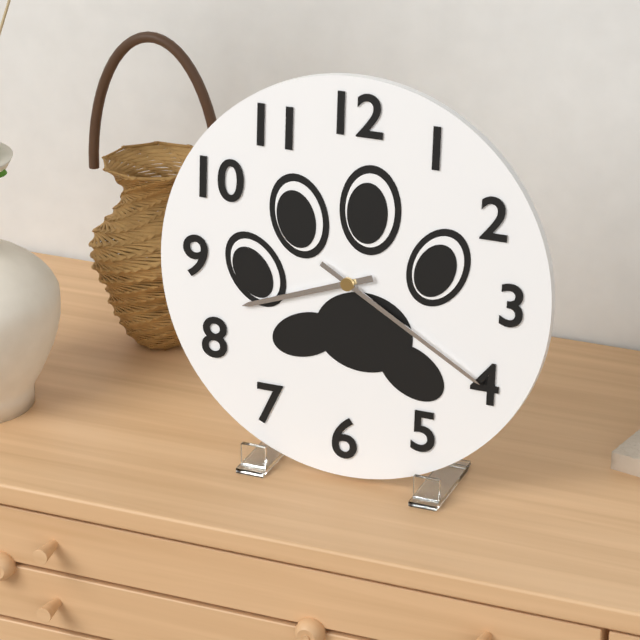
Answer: 8.20
